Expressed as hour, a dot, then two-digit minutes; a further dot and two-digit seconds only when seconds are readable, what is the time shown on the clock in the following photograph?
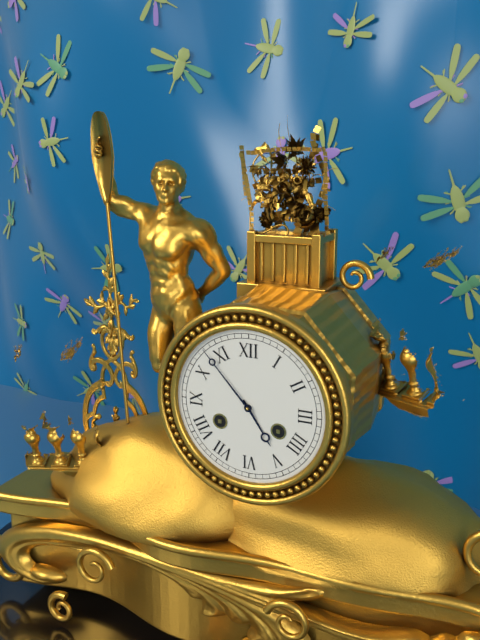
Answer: 4.53
